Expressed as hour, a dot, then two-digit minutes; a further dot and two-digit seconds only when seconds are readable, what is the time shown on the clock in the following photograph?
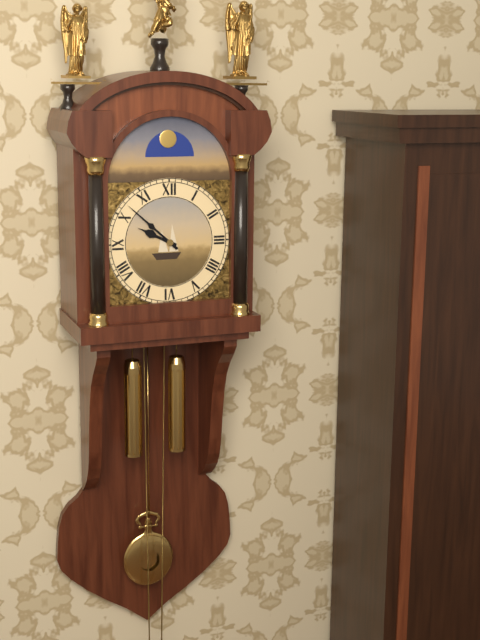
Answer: 9.52
